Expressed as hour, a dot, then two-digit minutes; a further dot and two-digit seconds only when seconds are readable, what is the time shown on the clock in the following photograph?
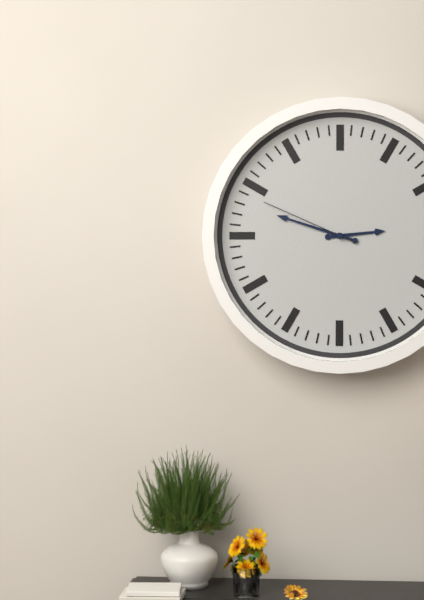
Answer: 2.48.49
